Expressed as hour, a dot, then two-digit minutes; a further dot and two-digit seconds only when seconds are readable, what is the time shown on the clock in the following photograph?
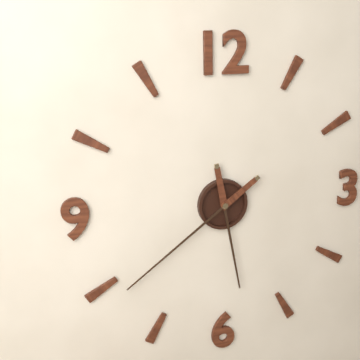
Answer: 5.39
